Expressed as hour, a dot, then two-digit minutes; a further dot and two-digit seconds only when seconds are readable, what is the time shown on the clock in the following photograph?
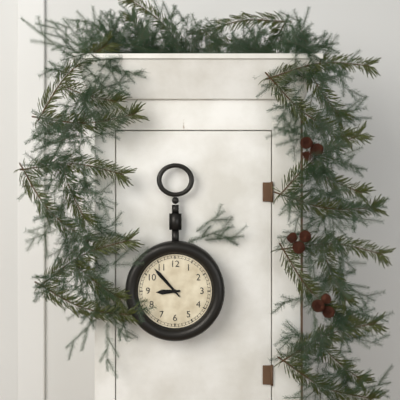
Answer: 8.53
